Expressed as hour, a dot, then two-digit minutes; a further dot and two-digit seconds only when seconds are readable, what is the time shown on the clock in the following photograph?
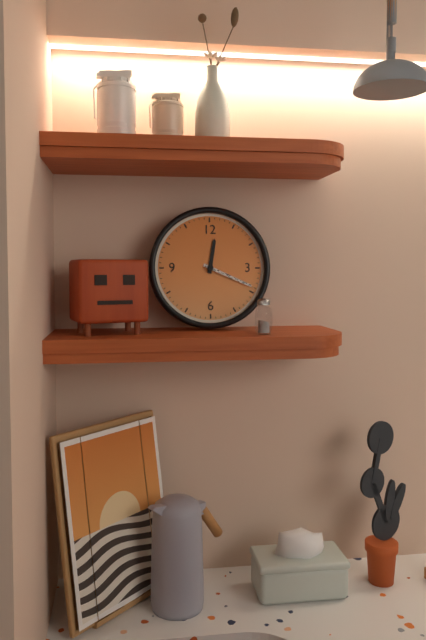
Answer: 12.19
